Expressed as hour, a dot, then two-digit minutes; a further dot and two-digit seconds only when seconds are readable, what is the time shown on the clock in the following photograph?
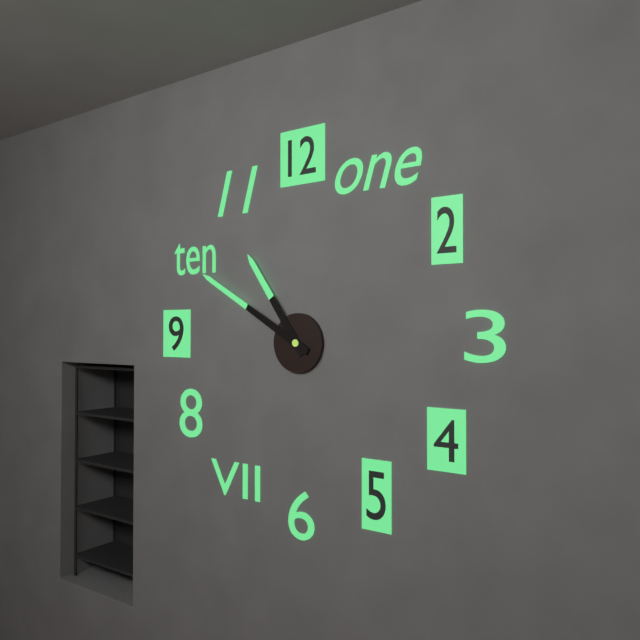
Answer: 10.50
